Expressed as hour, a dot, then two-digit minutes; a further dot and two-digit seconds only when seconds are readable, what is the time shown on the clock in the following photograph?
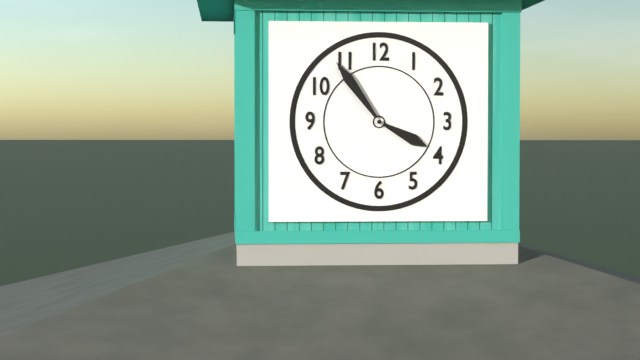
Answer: 3.54
